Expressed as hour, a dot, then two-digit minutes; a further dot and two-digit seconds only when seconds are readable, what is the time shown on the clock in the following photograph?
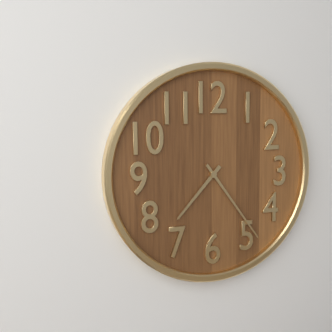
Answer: 7.24
